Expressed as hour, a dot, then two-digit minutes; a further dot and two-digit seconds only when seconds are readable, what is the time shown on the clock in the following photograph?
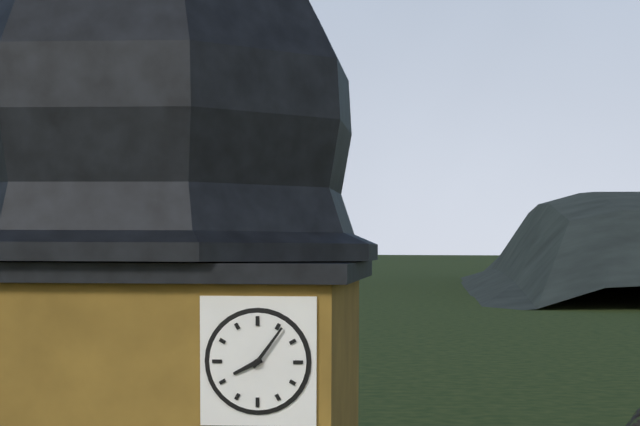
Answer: 8.06
